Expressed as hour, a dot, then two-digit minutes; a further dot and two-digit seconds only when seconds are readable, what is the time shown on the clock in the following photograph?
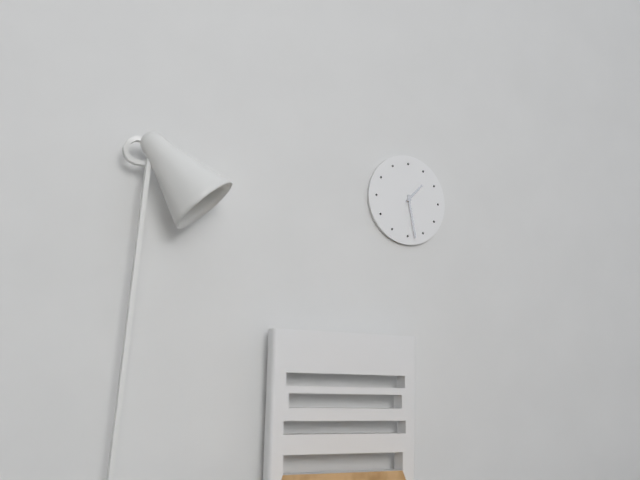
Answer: 1.28
